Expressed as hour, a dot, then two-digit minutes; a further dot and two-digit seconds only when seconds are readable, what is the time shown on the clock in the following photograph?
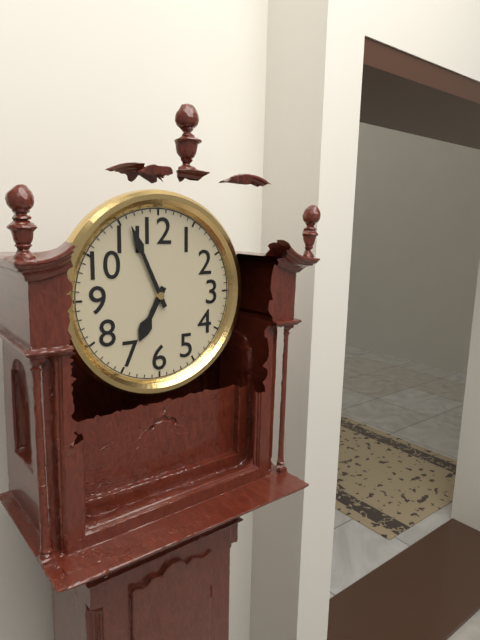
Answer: 6.56
